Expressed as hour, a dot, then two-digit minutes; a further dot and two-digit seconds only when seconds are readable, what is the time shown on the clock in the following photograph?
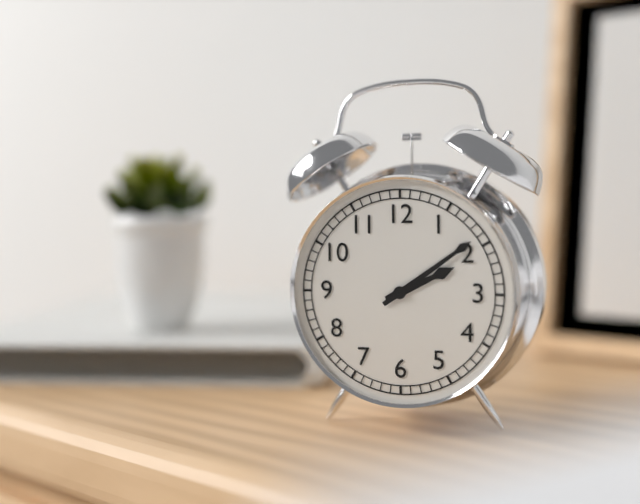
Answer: 2.09
